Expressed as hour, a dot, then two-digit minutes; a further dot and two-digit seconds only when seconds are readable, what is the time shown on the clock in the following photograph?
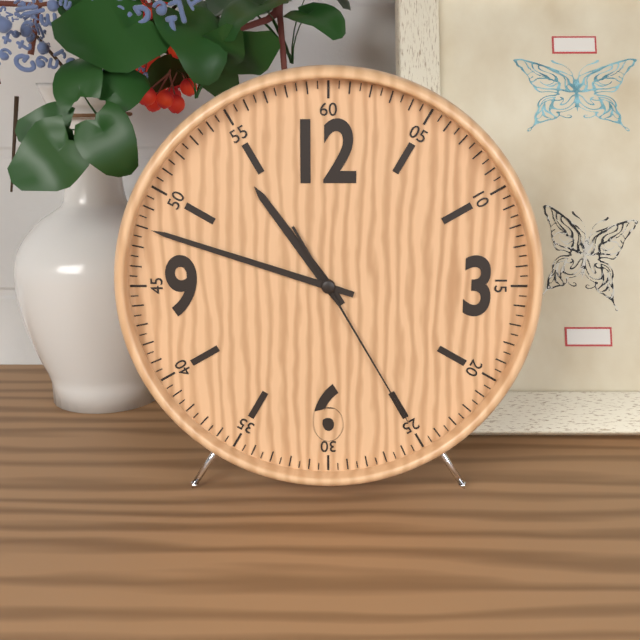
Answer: 10.48.25
